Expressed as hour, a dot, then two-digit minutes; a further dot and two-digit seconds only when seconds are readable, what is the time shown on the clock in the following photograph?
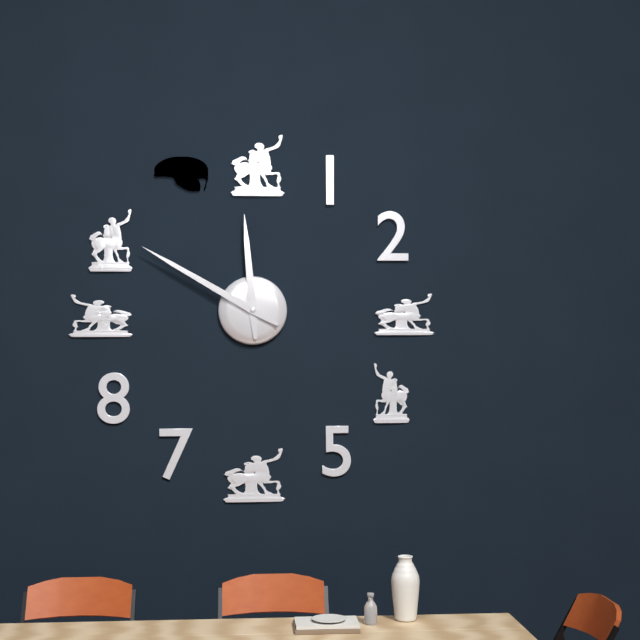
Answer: 11.50
